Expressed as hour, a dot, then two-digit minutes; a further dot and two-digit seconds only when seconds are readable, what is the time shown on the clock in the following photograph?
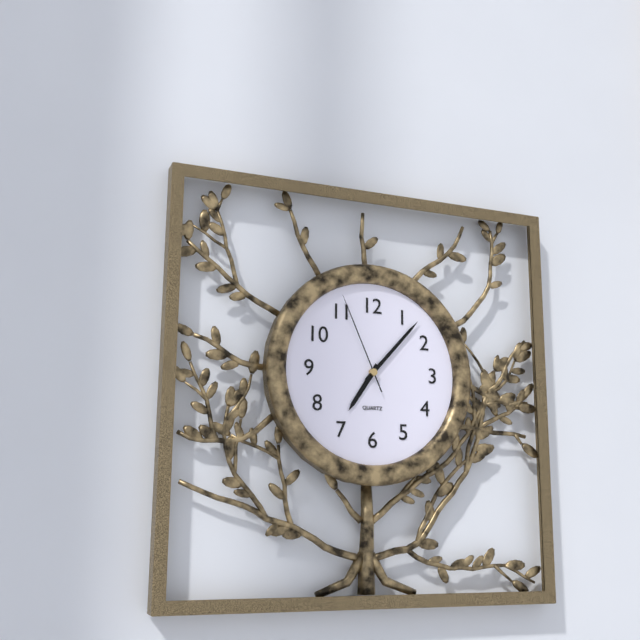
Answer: 7.07.56
